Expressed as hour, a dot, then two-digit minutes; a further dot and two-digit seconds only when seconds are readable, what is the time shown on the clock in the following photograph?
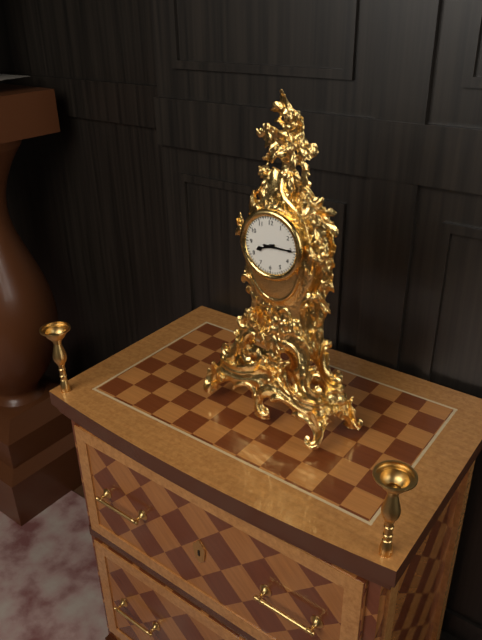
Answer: 8.15
